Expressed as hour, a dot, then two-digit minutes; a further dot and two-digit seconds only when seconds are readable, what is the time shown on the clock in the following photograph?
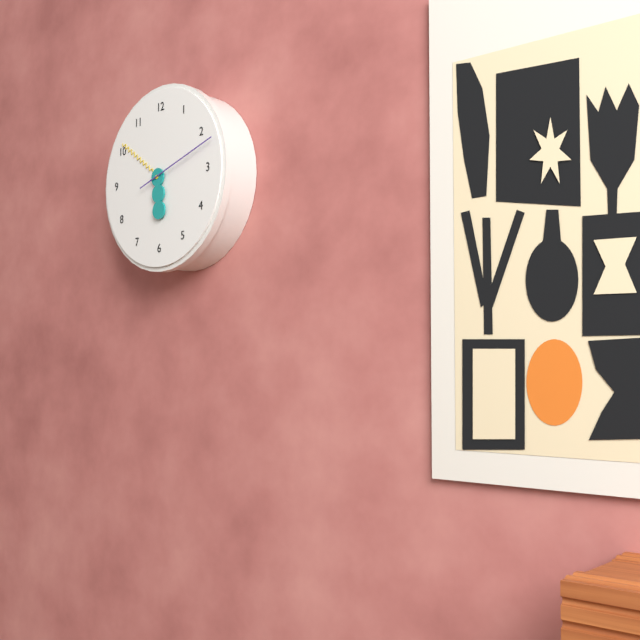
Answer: 5.51.12
